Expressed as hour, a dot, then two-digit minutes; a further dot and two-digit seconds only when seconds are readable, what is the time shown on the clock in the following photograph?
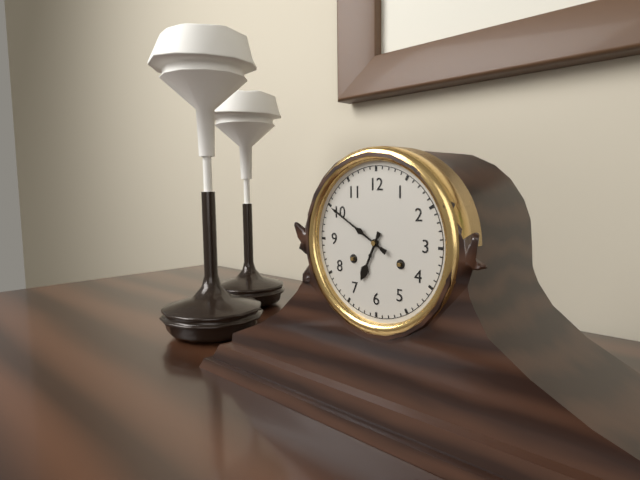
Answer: 6.50
